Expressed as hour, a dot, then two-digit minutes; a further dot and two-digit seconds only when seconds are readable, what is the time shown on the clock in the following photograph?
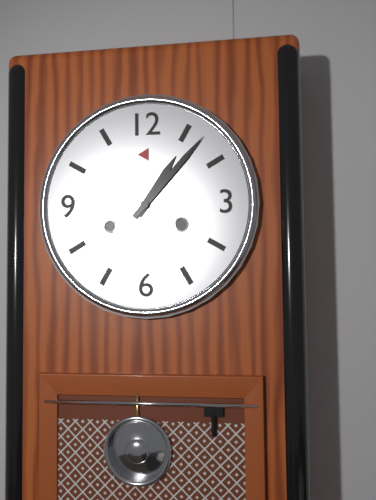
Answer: 1.07
